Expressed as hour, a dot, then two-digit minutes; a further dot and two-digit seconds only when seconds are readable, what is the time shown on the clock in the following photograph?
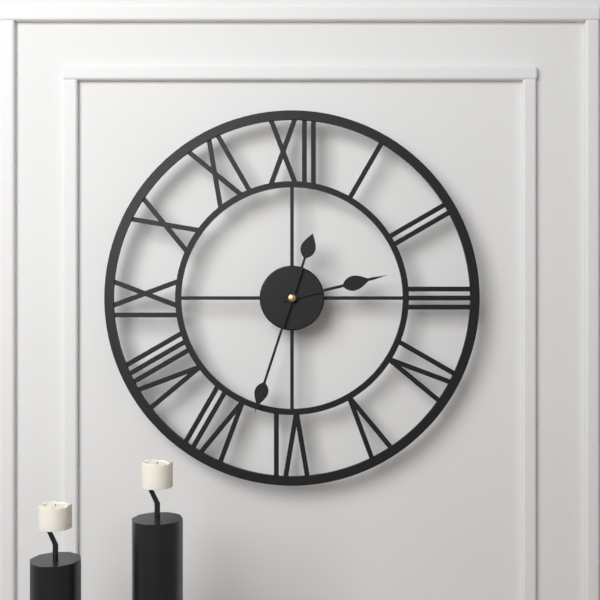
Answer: 2.33
